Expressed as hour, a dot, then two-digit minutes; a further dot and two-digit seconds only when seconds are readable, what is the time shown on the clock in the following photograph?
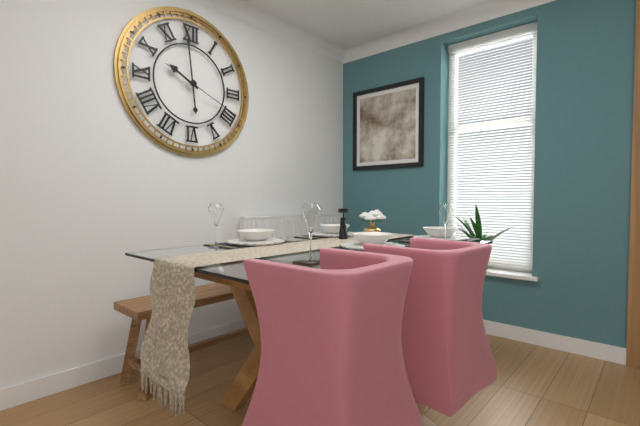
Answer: 9.59.19
